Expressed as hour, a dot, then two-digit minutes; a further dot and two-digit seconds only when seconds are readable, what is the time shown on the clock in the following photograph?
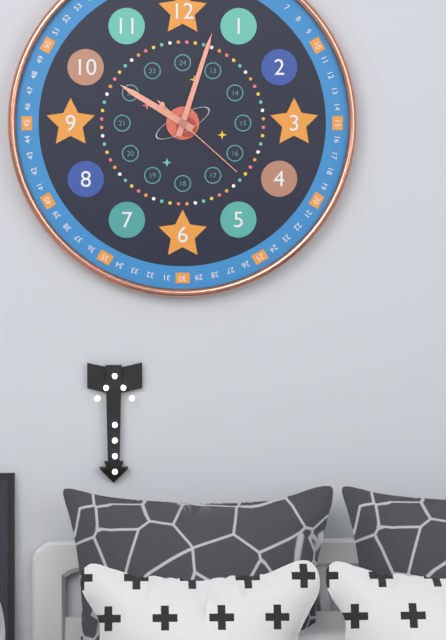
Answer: 10.03.22
